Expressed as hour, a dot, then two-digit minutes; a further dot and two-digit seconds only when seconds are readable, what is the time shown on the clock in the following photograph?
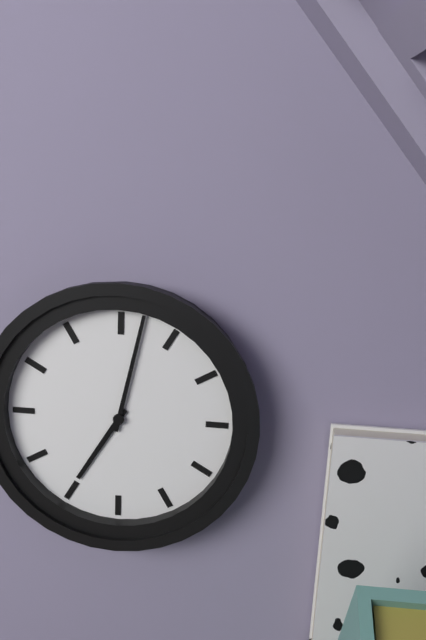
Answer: 7.02
